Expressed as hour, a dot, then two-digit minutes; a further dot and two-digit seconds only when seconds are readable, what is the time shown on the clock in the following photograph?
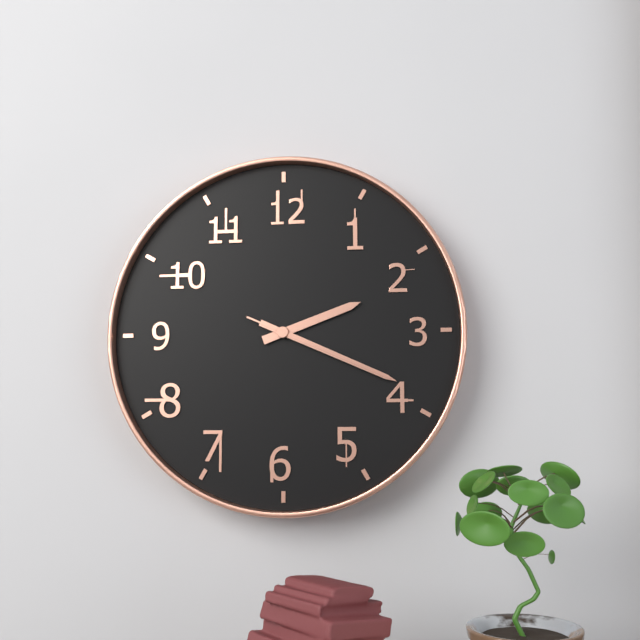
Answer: 2.19.19
